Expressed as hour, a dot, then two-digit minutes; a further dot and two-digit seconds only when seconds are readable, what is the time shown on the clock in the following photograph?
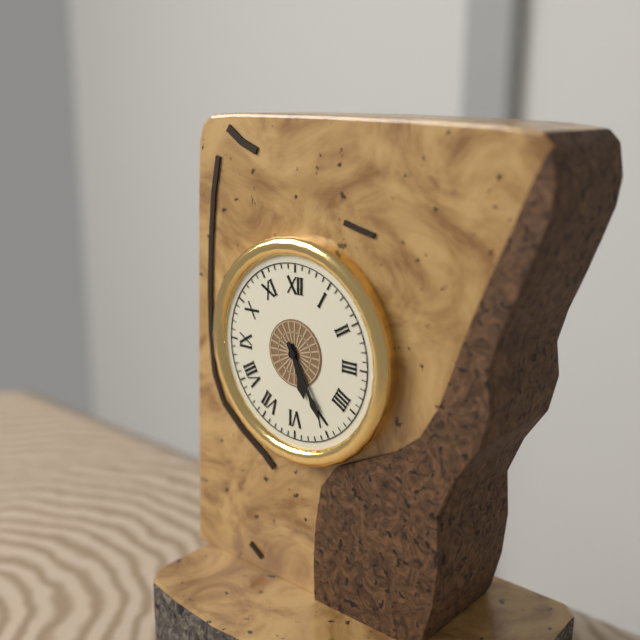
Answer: 5.25
